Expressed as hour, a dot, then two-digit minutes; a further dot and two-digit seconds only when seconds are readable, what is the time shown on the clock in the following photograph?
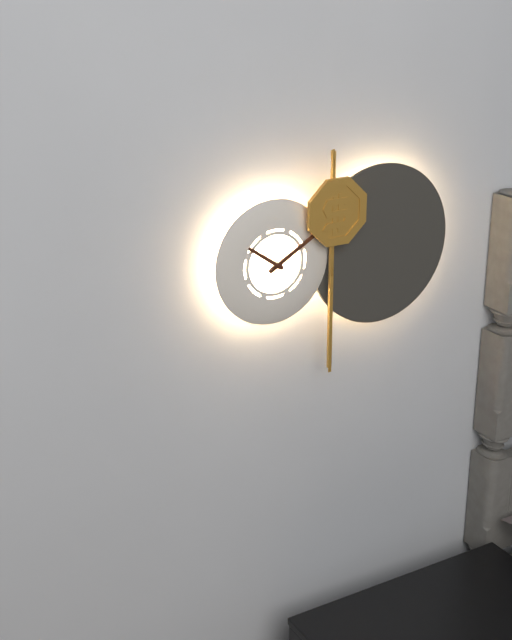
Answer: 10.10
